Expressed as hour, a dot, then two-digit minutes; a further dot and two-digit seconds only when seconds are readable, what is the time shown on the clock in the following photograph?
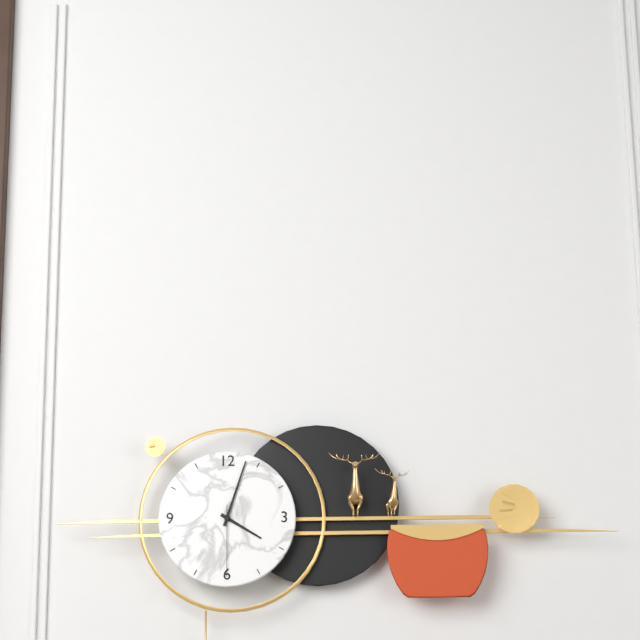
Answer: 4.03.30
